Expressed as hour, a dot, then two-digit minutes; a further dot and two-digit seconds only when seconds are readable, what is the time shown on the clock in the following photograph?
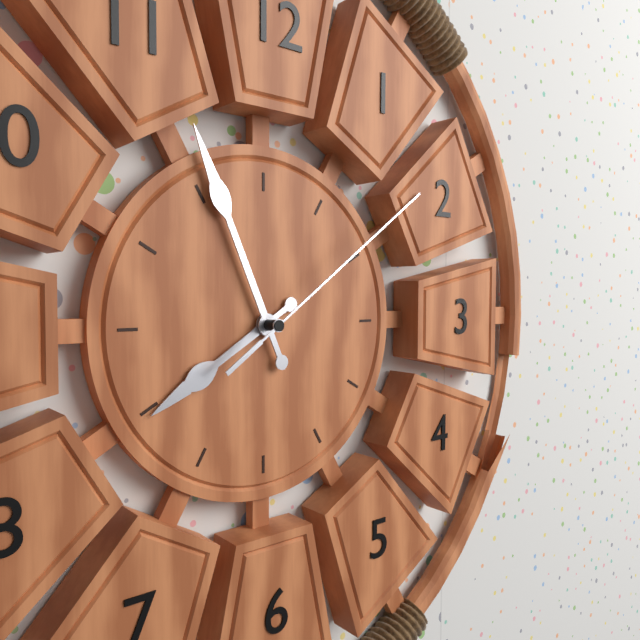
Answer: 7.56.09
